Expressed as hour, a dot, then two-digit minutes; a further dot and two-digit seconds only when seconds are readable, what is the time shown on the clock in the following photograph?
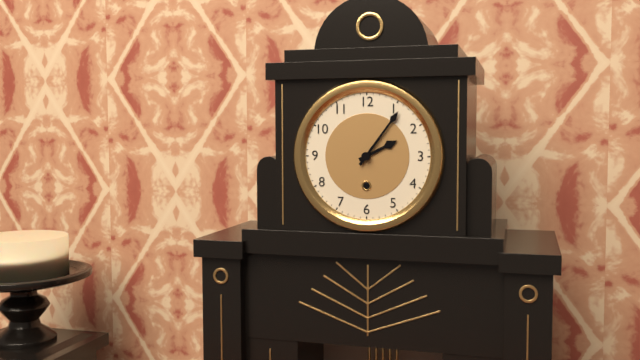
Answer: 2.06
